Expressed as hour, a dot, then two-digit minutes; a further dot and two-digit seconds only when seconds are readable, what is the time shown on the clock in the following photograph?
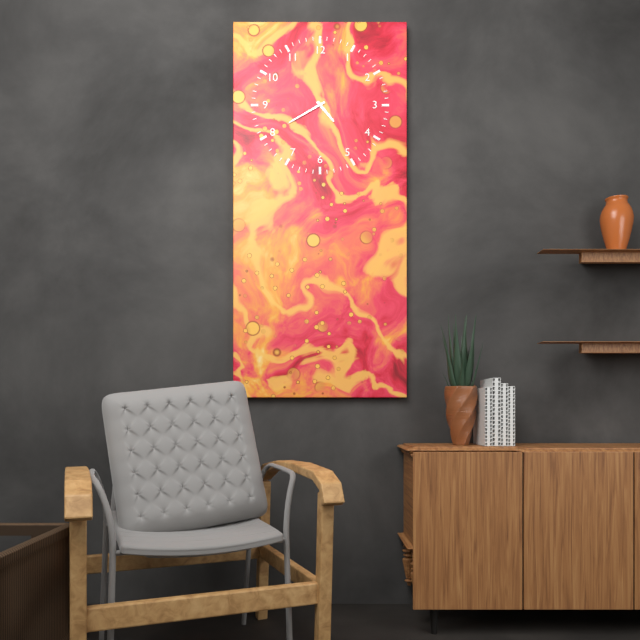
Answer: 4.40
